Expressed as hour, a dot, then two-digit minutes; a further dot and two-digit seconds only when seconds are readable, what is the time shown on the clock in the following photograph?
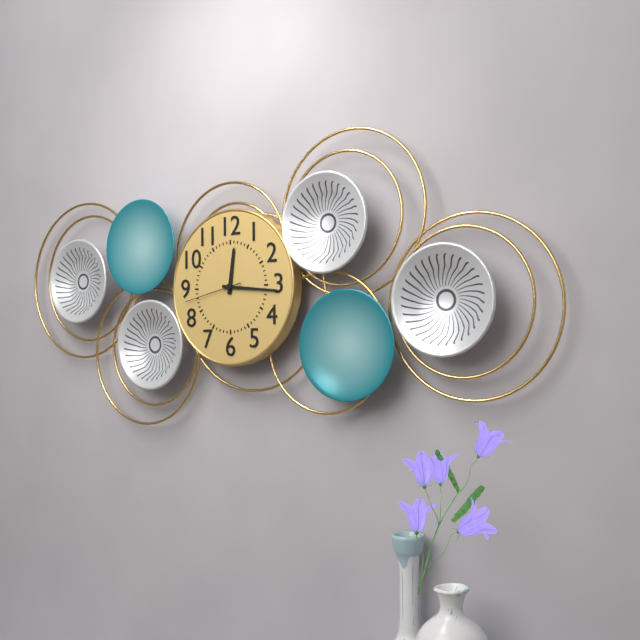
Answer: 12.16.43
